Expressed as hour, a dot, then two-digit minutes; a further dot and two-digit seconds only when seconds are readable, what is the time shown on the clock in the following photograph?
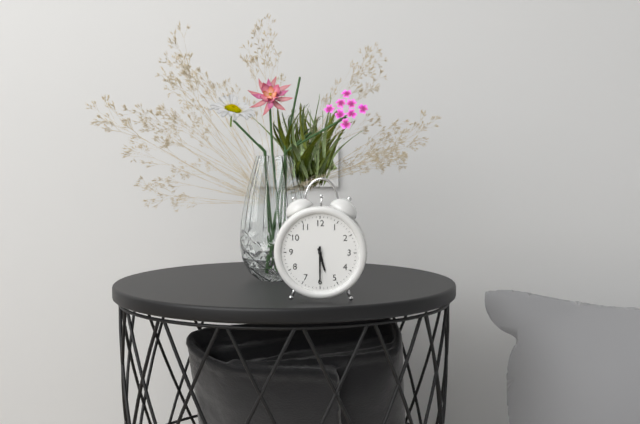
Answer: 5.30
